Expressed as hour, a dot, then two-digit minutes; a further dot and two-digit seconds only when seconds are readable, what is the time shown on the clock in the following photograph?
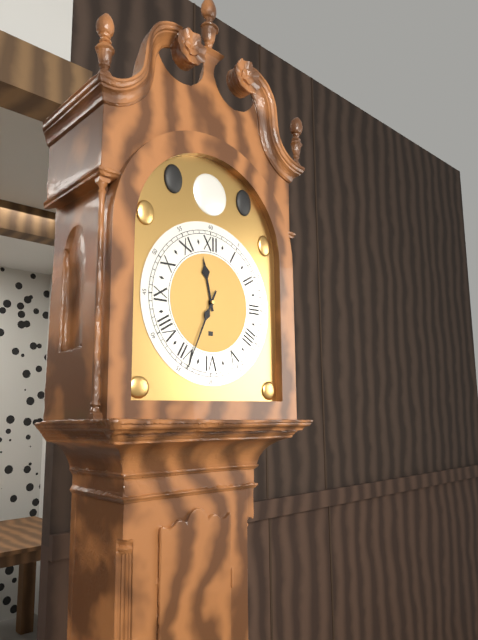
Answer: 11.34
